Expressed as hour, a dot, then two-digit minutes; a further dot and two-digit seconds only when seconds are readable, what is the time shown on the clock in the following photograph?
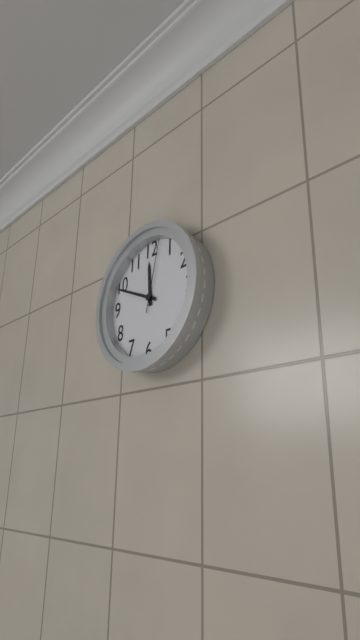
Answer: 11.49.02
